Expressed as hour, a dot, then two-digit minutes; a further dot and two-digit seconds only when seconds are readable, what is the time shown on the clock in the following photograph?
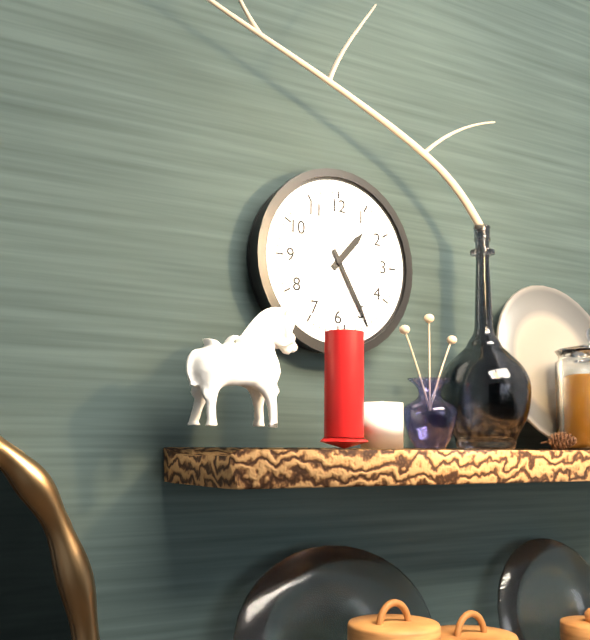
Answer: 1.25
